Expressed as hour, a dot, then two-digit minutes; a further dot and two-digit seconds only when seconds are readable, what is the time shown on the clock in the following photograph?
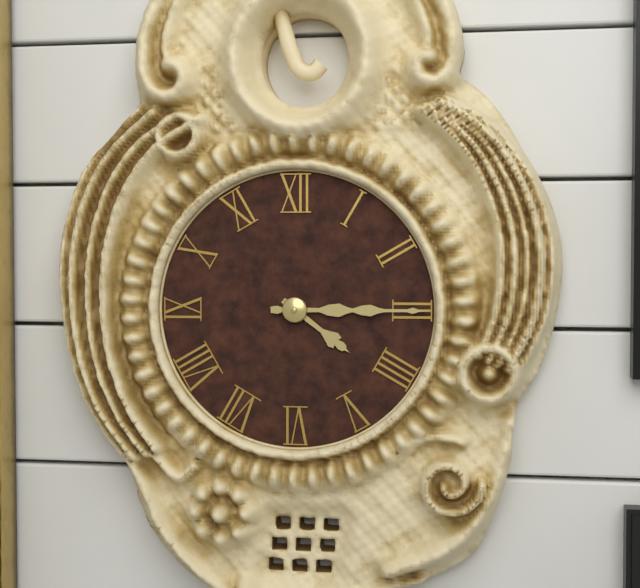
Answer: 4.15
